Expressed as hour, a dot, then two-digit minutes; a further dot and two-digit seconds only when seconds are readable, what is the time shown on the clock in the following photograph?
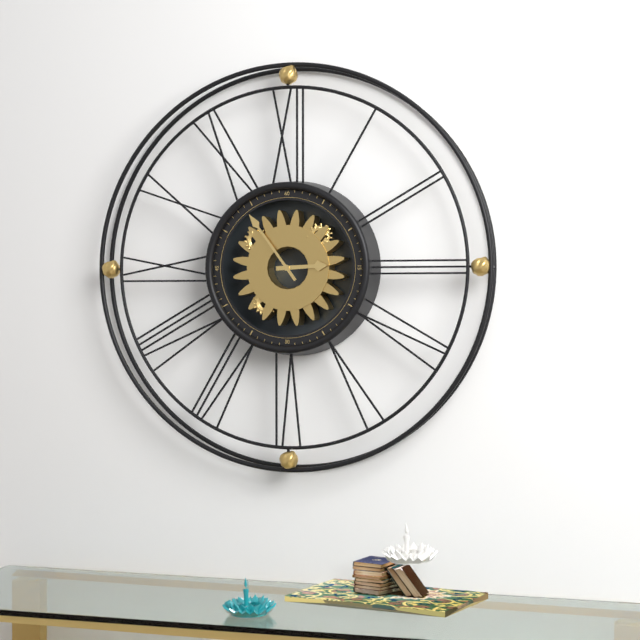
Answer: 2.54
